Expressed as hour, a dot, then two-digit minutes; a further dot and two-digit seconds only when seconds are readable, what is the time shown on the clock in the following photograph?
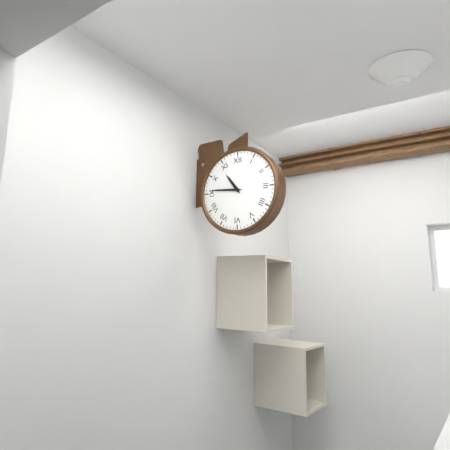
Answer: 10.46
